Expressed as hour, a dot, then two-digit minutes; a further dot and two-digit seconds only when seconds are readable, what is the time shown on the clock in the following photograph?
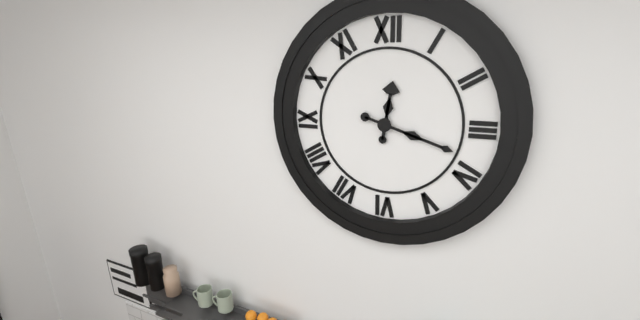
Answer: 12.18
